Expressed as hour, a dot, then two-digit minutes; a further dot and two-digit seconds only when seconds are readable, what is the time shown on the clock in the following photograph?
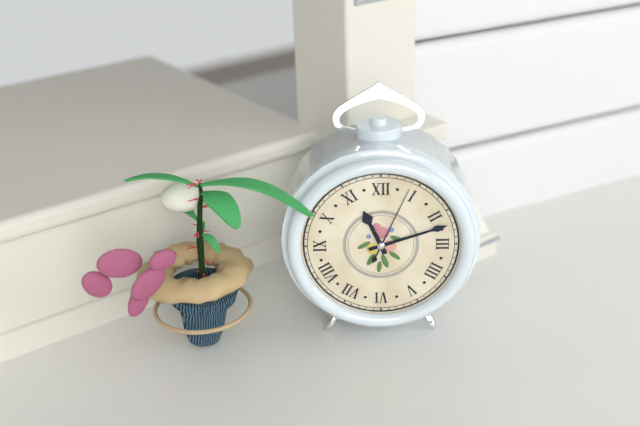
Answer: 11.12.04
